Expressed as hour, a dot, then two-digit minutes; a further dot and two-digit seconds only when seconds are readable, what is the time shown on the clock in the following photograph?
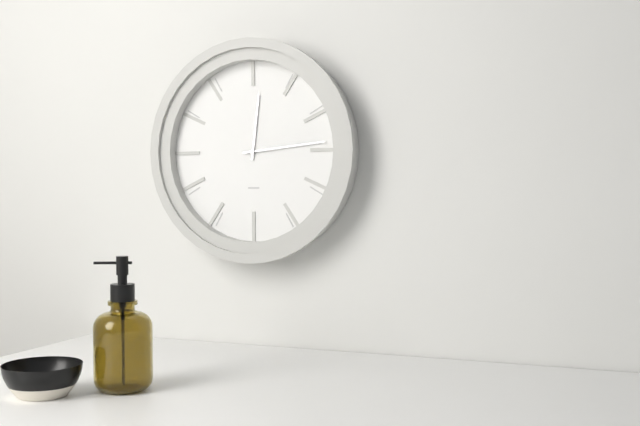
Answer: 12.14
